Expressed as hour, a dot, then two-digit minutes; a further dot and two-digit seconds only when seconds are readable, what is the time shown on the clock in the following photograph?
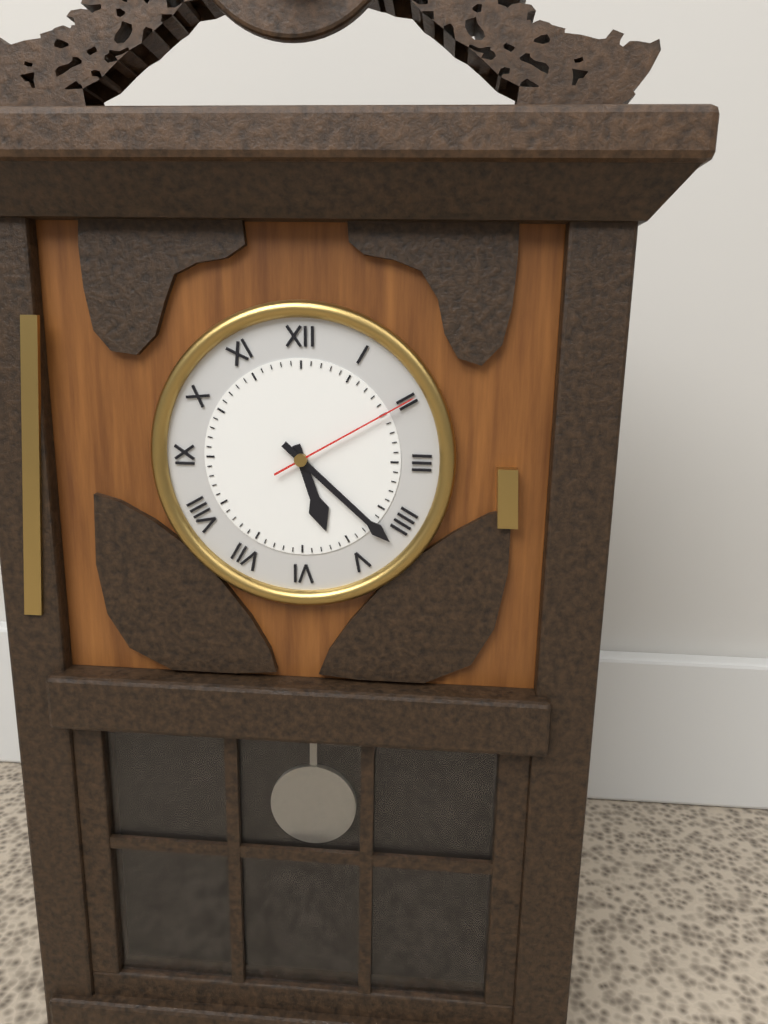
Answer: 5.22.10
